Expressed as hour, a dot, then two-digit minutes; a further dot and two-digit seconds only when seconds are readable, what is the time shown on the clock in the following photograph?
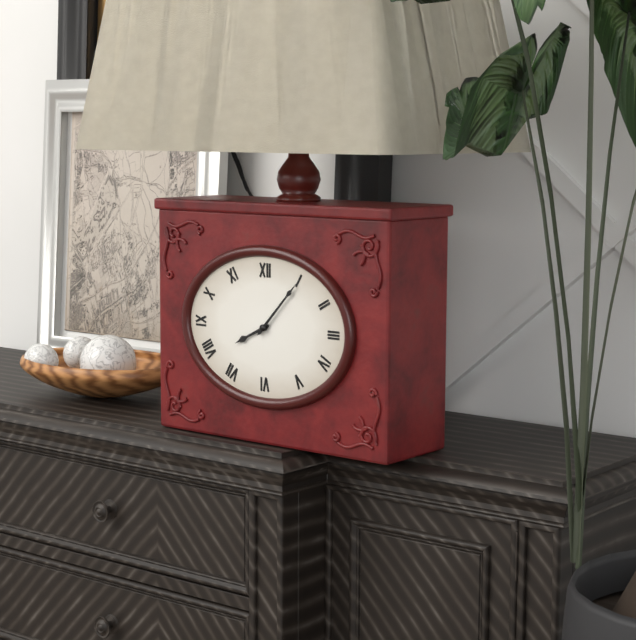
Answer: 8.07
